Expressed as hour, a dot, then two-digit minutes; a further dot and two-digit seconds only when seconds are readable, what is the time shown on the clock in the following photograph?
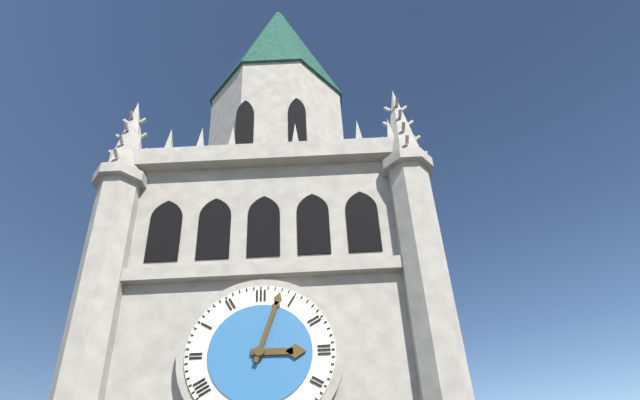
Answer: 3.03
